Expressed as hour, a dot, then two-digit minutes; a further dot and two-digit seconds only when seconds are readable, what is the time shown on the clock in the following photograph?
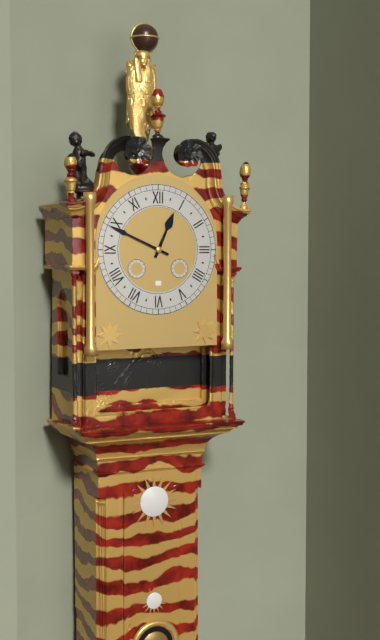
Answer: 12.49
